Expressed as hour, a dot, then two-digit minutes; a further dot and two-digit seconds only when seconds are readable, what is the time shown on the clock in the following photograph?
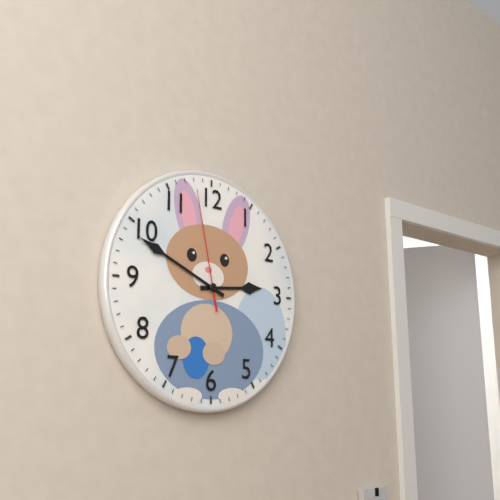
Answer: 2.49.58
